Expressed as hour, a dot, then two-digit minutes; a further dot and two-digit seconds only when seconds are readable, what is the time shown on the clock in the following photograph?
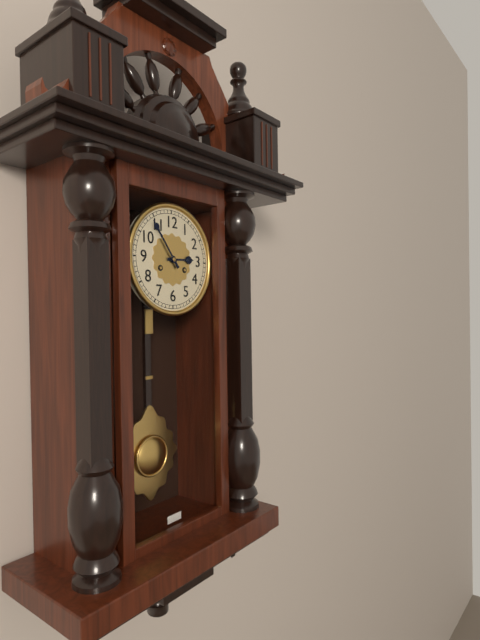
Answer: 2.54
